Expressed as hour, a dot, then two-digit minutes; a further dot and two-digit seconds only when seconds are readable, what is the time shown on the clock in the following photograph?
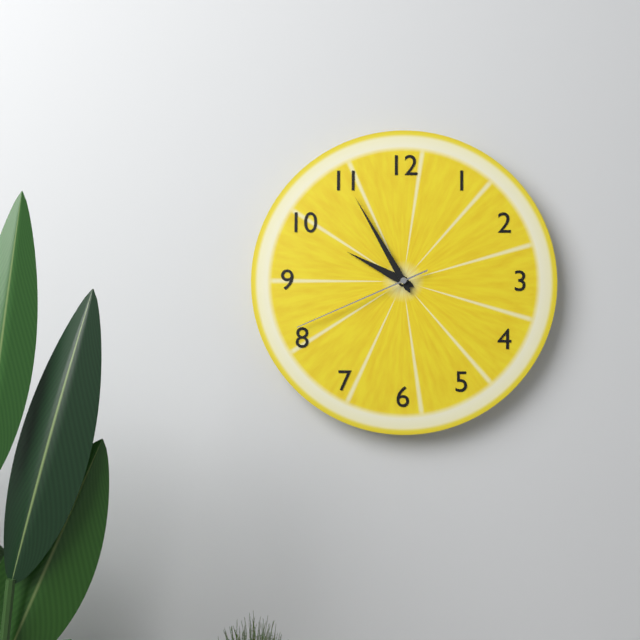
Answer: 9.55.41
